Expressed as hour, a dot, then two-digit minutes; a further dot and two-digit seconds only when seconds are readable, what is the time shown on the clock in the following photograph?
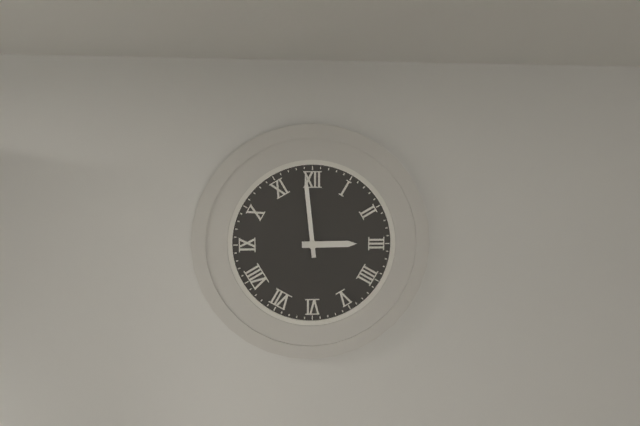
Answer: 2.59
